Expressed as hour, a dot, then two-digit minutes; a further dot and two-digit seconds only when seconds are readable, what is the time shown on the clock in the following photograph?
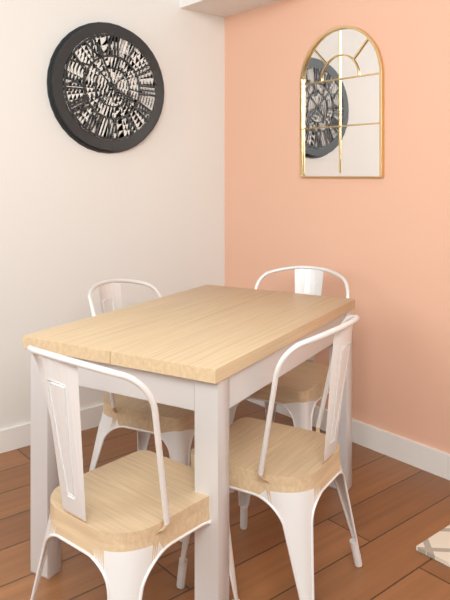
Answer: 3.56
